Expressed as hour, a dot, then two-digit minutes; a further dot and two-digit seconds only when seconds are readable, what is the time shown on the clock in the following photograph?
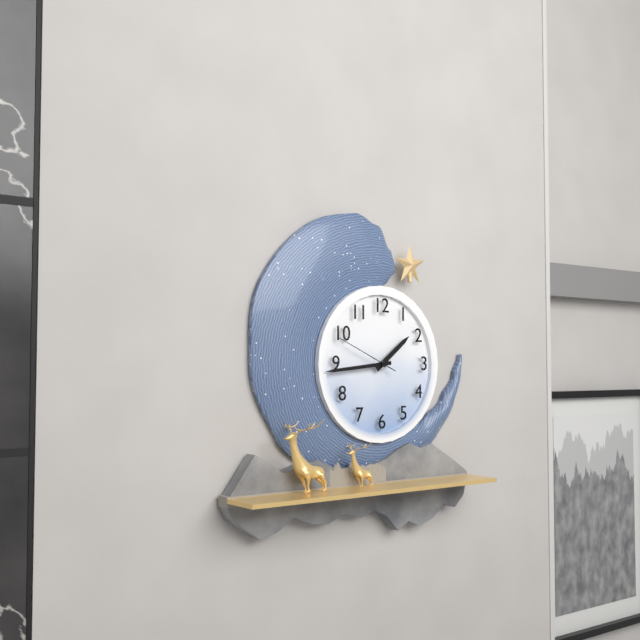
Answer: 1.44.49
